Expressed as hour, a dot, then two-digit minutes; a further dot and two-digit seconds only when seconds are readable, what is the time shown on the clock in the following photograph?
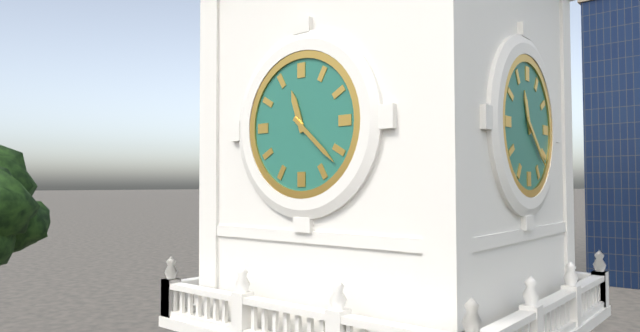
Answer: 11.22
